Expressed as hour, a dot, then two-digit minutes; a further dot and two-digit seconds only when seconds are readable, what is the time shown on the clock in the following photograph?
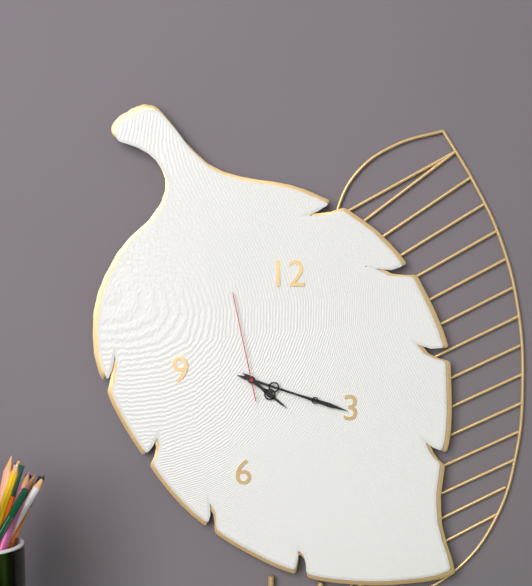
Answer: 4.18.58
